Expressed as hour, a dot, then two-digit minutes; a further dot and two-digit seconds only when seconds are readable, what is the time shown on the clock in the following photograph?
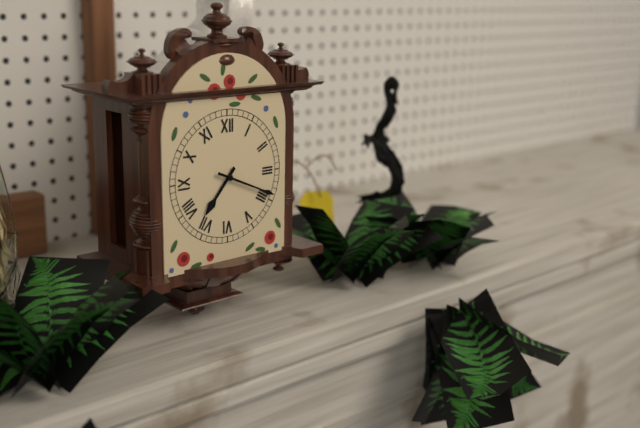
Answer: 7.19
